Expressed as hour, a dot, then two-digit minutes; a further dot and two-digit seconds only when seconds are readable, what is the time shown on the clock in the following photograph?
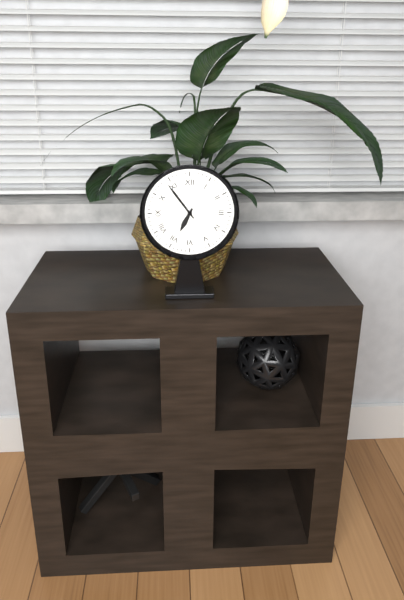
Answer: 6.54
